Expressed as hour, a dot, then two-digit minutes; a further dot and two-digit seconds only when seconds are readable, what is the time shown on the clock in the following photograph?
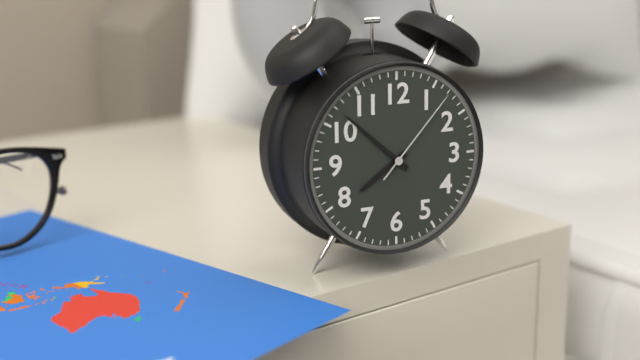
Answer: 7.52.07
